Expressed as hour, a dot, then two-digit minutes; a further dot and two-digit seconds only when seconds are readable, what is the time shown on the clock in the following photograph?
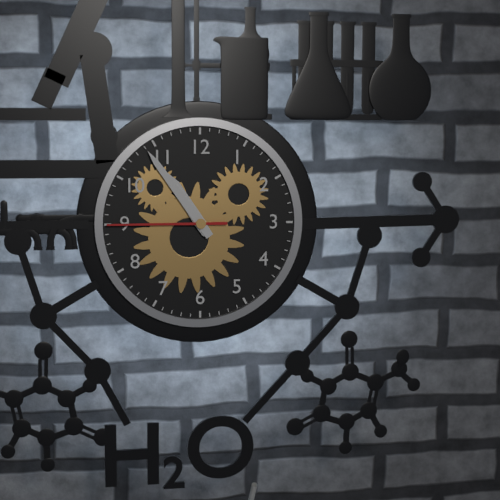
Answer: 10.54.45
